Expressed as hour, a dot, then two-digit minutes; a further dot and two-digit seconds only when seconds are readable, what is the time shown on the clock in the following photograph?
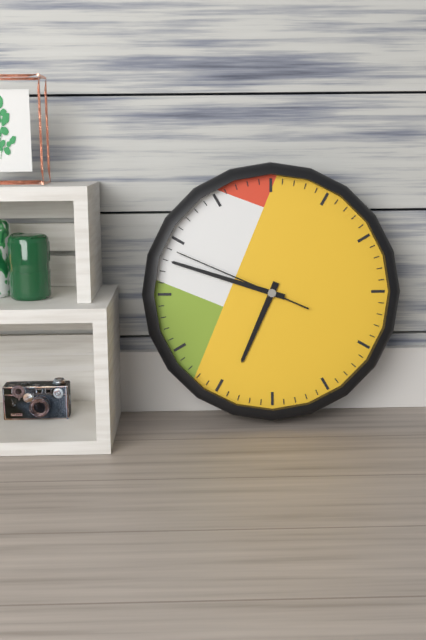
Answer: 6.48.49
